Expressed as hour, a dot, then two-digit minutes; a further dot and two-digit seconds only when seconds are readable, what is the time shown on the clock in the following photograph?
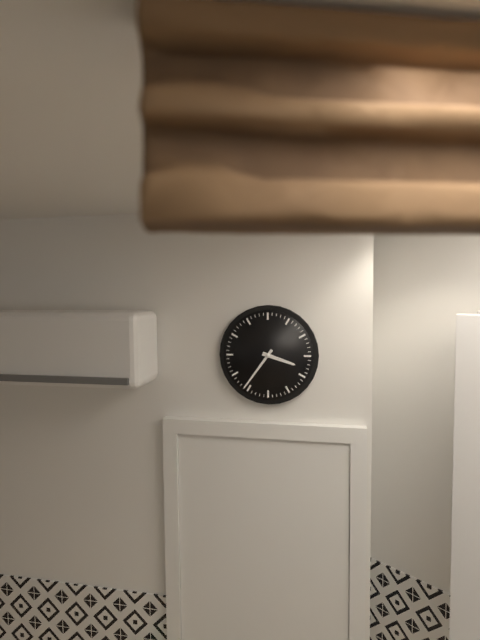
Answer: 3.36
